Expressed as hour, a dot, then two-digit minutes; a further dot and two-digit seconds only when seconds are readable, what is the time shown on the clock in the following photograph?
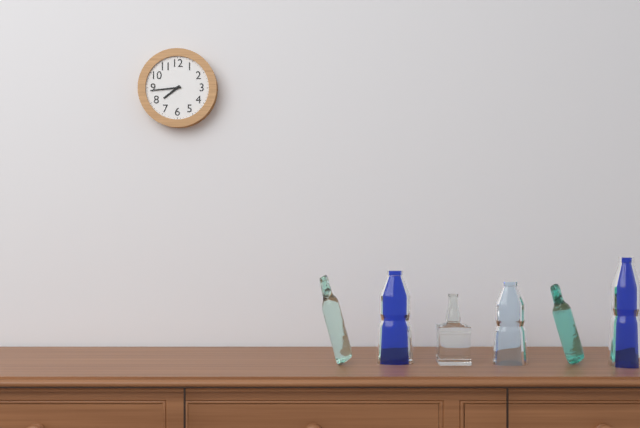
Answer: 7.44
